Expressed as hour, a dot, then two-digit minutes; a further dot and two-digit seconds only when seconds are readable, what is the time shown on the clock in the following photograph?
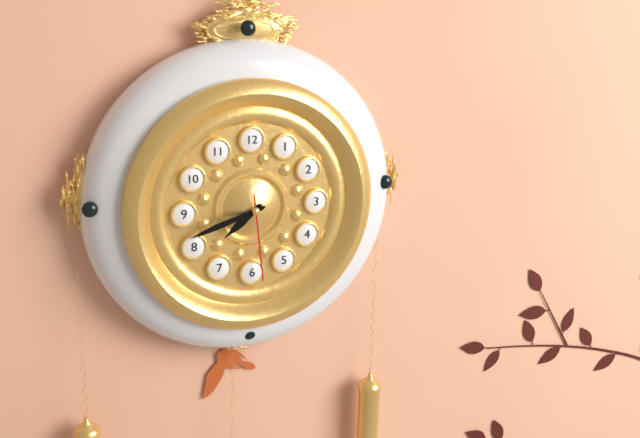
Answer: 7.42.29
